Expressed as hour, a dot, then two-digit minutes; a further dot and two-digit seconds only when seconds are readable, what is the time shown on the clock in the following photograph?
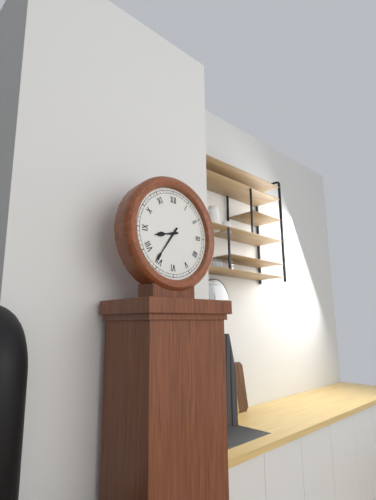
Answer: 8.36
